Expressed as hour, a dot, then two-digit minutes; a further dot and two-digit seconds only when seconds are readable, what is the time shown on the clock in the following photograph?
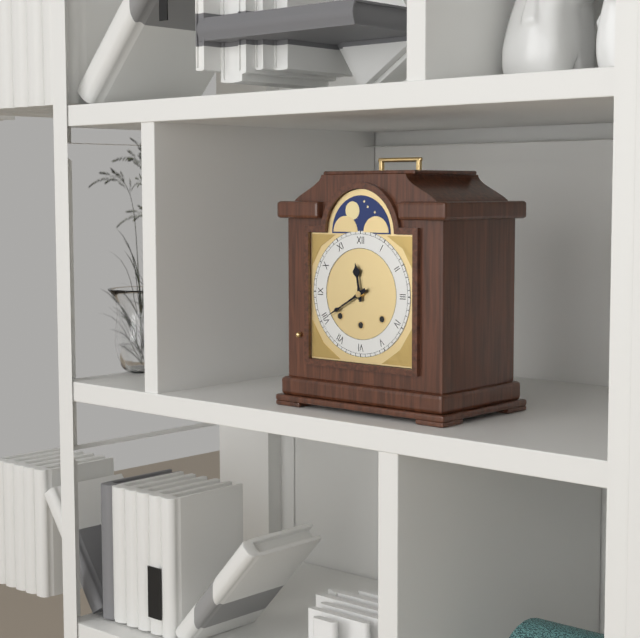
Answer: 11.40
